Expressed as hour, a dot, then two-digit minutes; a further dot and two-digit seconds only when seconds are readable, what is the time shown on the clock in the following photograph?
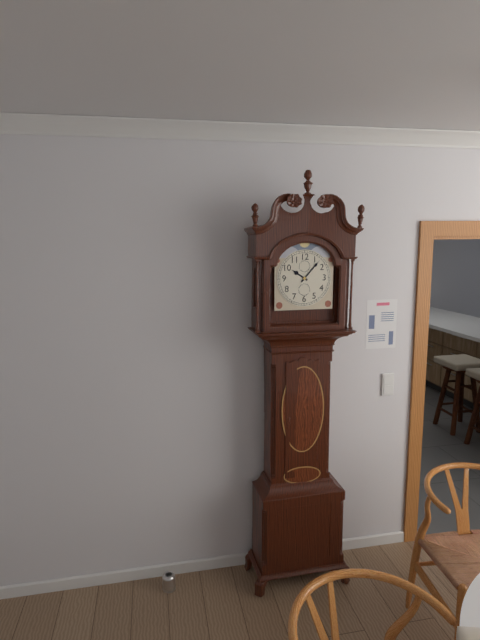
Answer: 10.07
